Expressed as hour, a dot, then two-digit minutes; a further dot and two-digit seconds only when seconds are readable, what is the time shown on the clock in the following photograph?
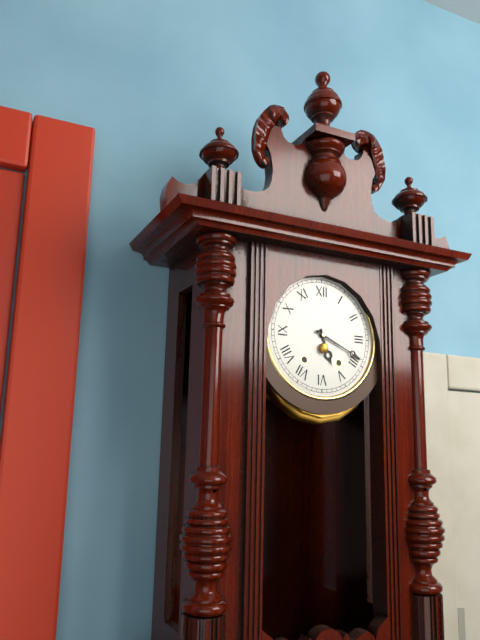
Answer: 5.19
